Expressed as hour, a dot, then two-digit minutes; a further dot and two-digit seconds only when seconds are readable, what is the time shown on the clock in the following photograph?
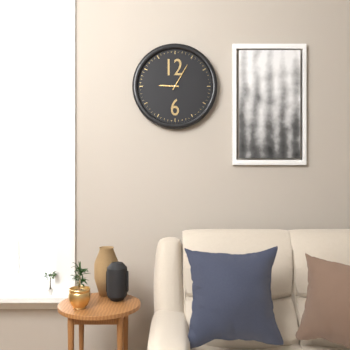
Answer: 9.05
